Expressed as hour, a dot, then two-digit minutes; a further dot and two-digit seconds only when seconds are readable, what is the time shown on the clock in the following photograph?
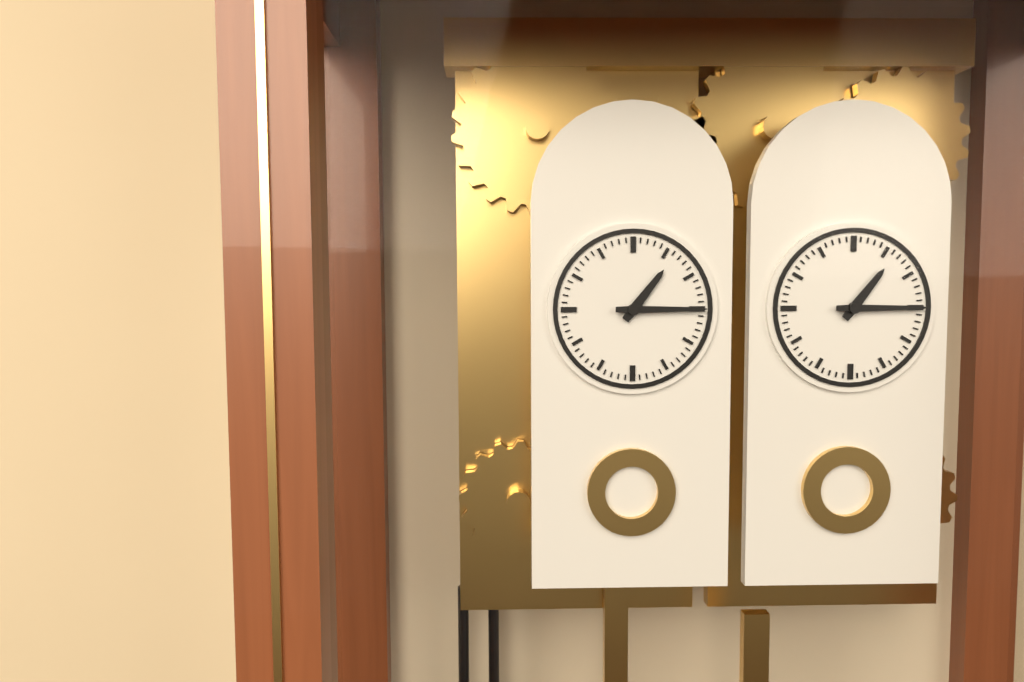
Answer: 1.15
